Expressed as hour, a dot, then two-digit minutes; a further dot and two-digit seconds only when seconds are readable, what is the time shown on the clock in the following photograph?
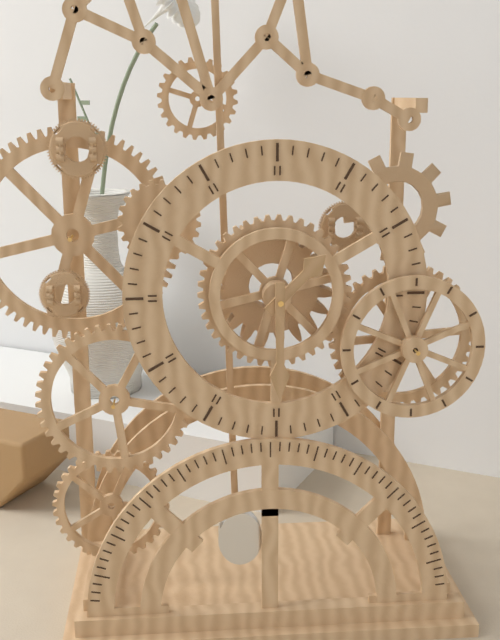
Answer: 1.30
